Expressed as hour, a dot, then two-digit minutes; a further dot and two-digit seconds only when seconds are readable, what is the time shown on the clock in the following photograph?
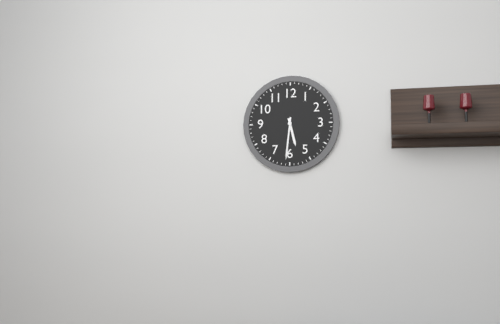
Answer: 5.31
